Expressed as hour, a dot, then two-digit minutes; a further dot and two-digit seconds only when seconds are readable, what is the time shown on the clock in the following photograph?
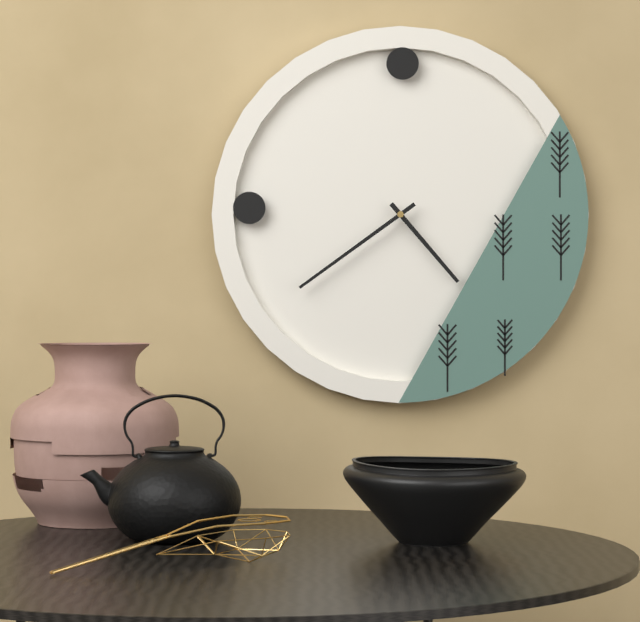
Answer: 4.39
